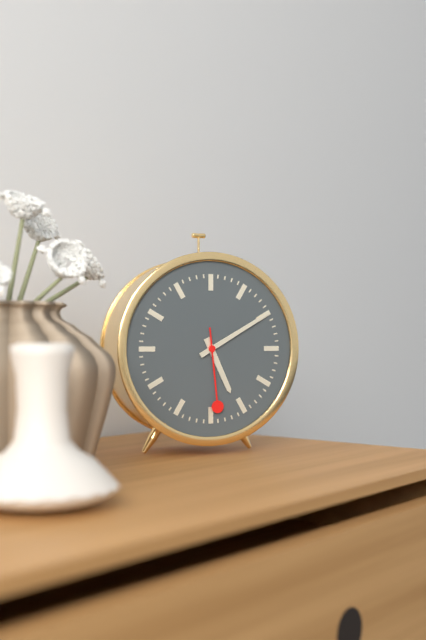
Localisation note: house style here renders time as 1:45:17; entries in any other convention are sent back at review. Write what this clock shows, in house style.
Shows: 5:10:29
